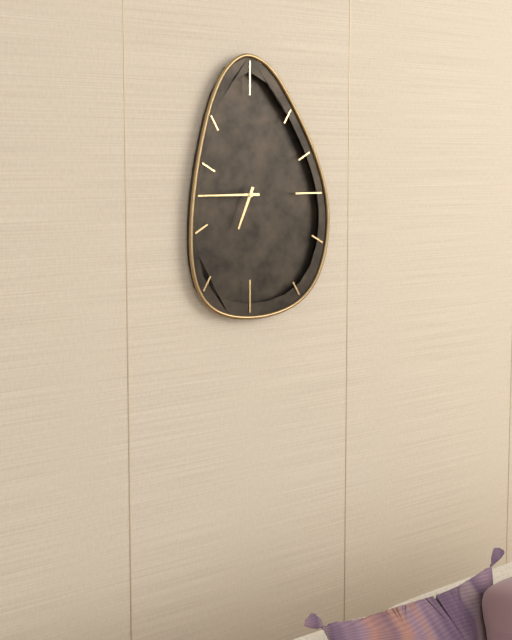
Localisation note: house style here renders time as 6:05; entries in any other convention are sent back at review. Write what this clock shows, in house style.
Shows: 6:45
